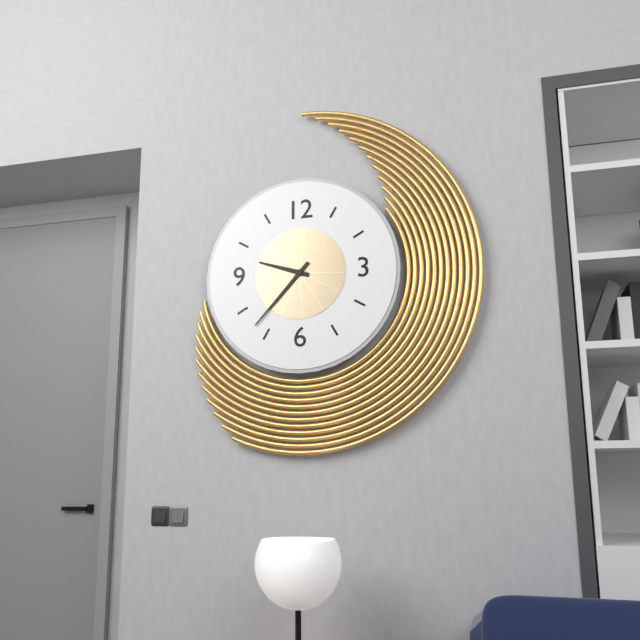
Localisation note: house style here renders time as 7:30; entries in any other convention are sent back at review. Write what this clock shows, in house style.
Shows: 9:37
